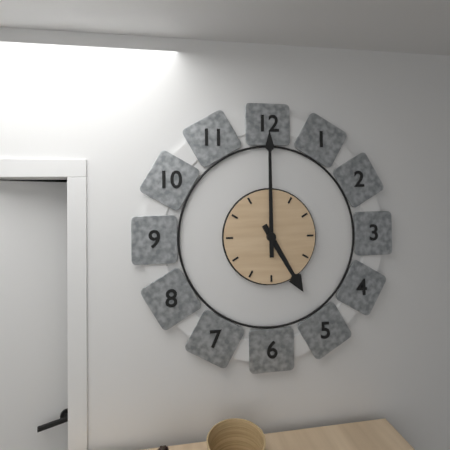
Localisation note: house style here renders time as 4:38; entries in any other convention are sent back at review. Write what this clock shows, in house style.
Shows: 5:00
